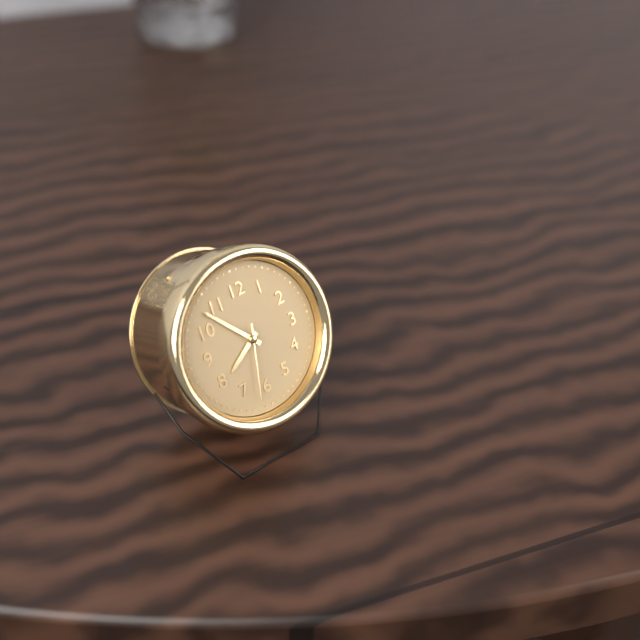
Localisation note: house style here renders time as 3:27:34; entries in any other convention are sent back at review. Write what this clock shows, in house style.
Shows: 7:53:32
